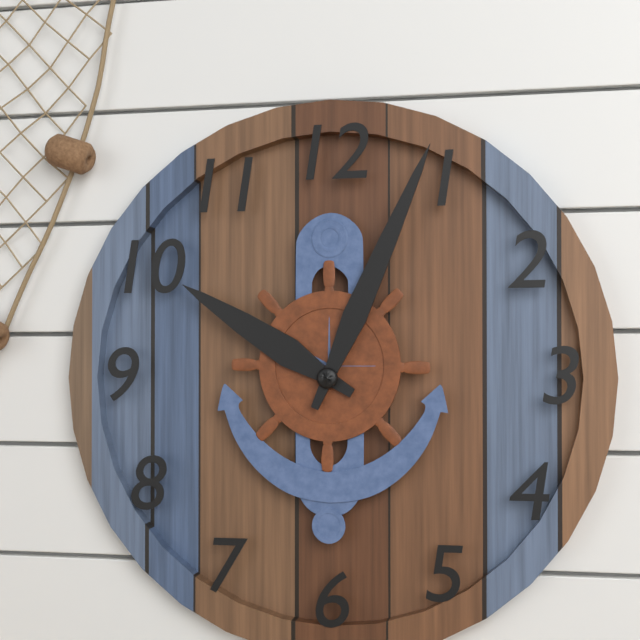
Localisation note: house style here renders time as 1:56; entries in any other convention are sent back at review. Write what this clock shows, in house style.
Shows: 10:04
